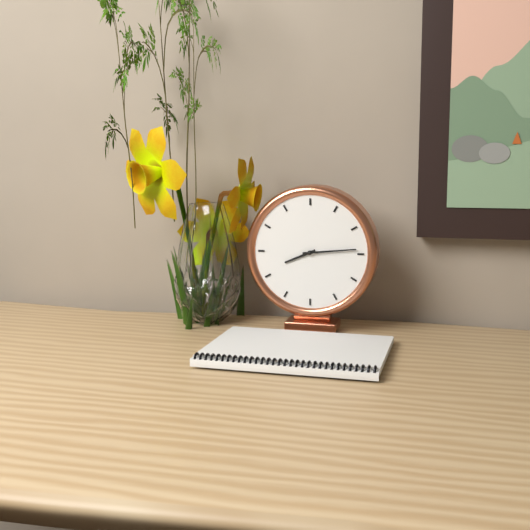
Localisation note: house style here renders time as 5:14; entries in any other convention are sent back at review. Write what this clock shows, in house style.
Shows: 8:14
